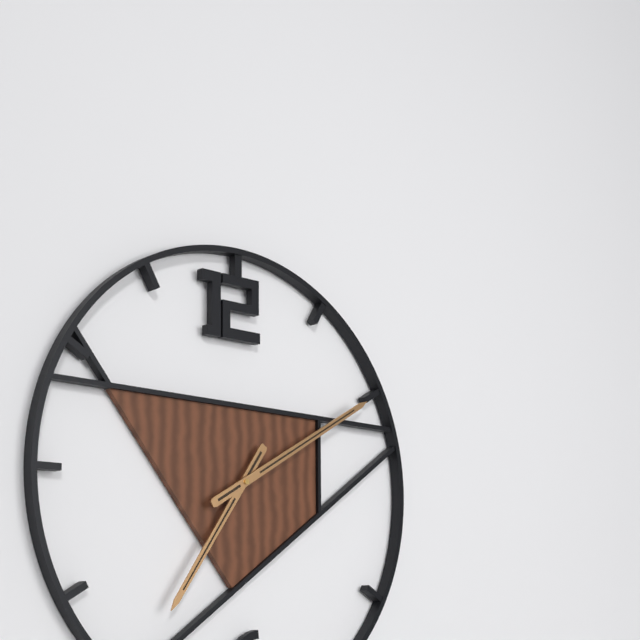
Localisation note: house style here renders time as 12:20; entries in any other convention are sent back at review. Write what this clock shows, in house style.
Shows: 7:10
